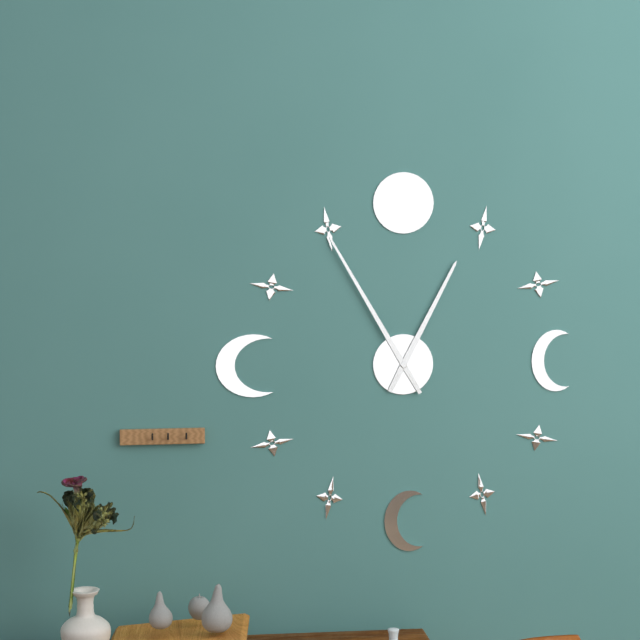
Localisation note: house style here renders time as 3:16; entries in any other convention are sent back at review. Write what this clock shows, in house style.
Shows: 12:55
